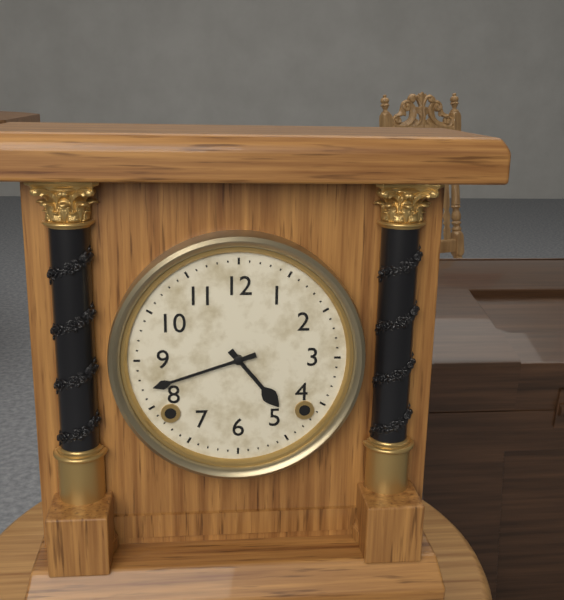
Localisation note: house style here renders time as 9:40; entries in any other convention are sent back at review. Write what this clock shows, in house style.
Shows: 4:42
